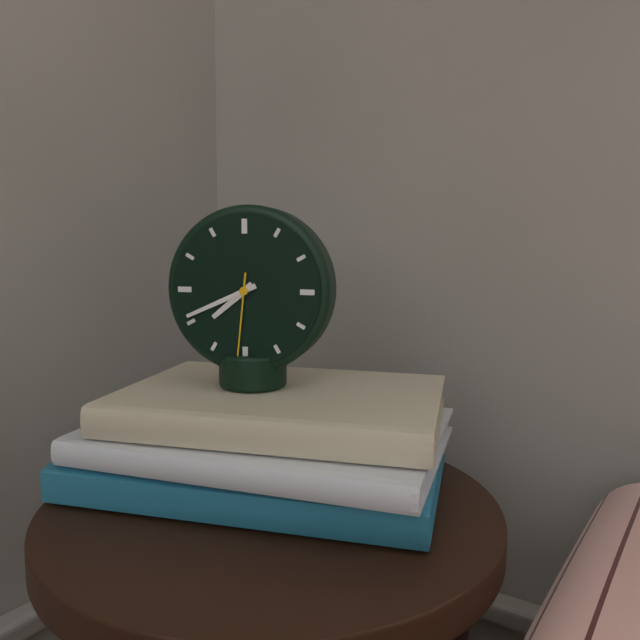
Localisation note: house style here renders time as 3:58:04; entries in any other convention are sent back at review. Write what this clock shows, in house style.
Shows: 7:41:31
